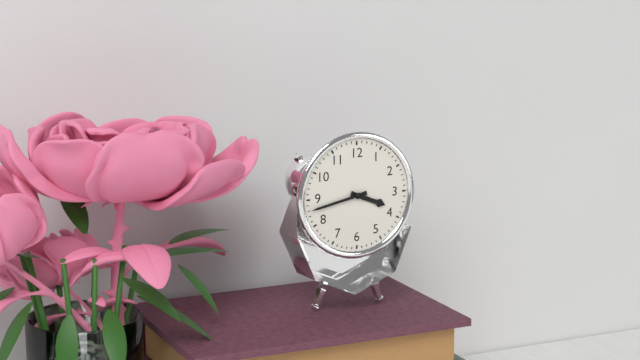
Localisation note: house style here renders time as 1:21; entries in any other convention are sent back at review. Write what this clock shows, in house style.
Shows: 3:43
